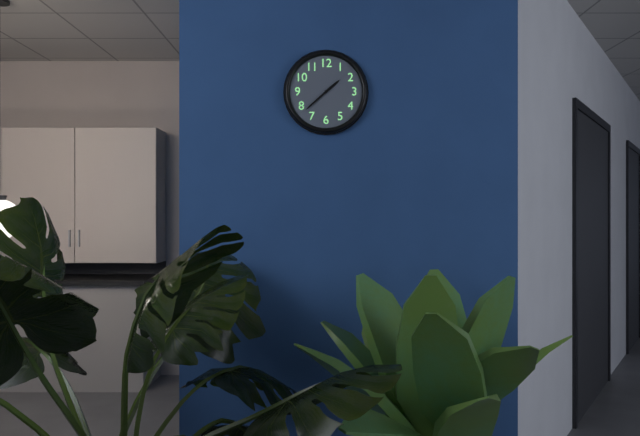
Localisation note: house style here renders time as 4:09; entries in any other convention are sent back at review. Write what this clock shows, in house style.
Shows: 1:38
